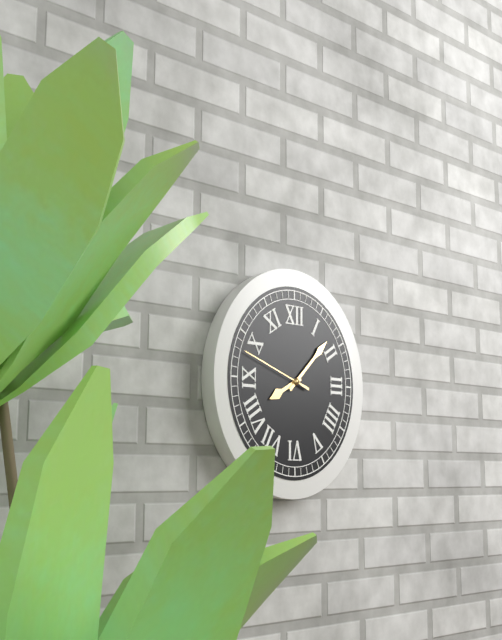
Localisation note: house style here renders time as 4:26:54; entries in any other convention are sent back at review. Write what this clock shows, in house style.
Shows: 8:08:48
